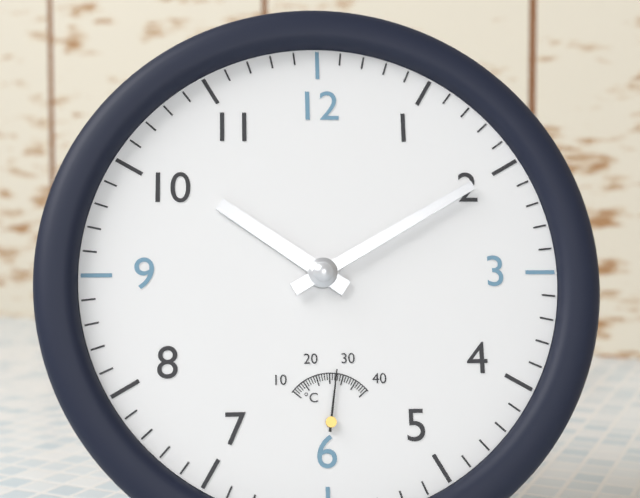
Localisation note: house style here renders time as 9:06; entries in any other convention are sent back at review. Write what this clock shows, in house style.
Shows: 10:10
